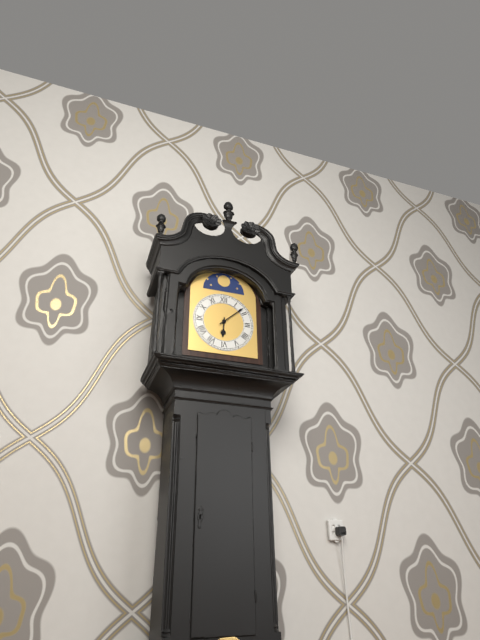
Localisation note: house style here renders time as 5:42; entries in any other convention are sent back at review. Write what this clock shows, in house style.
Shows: 6:08
